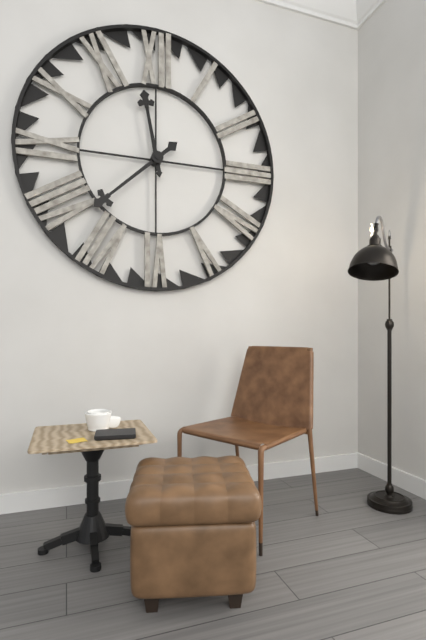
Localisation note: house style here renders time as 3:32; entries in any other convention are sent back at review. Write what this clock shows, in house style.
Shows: 11:38
